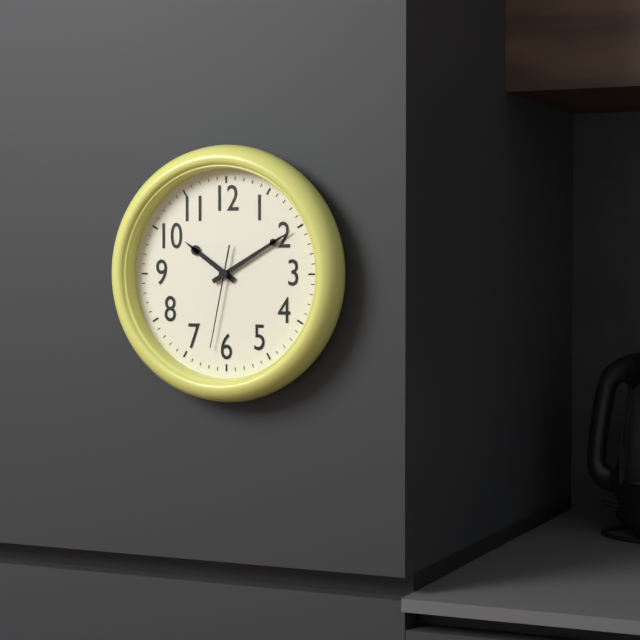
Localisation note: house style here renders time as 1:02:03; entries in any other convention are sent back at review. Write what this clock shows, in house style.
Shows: 10:10:32
